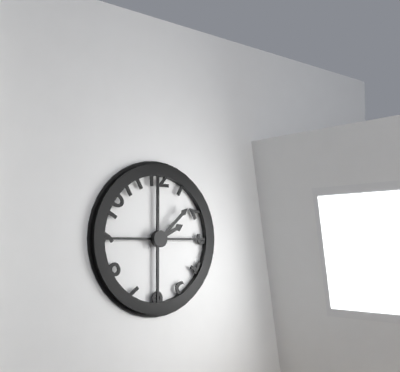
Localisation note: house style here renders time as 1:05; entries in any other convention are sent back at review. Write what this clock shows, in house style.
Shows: 2:08
